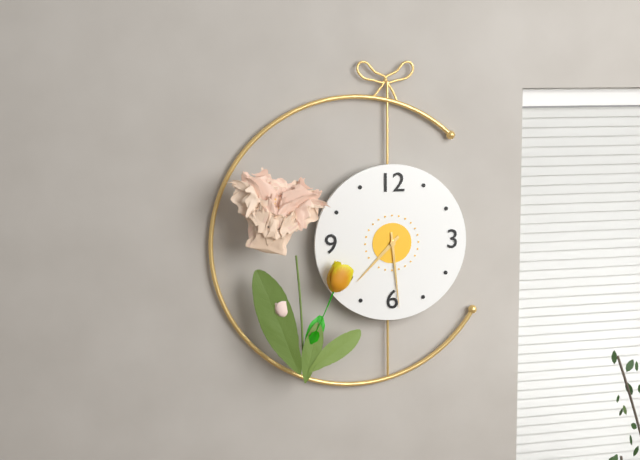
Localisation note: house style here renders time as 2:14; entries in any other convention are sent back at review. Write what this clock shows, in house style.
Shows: 7:29
